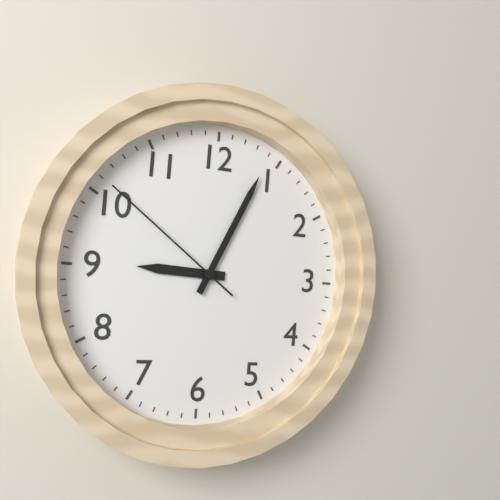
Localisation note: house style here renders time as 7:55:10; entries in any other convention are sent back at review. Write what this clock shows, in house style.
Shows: 9:04:51
